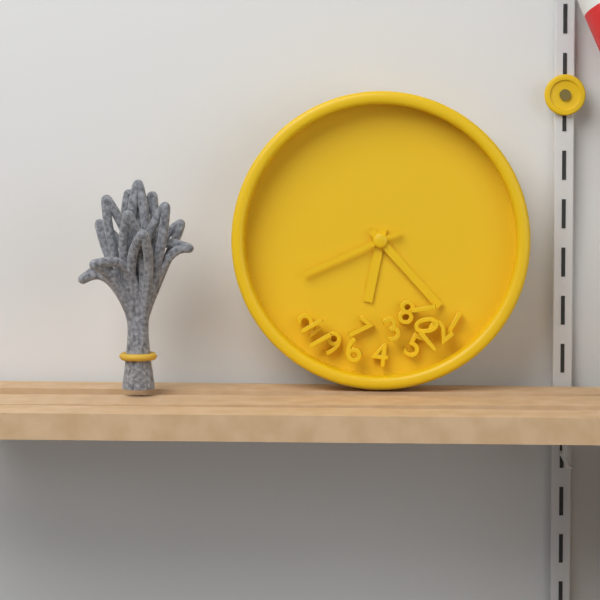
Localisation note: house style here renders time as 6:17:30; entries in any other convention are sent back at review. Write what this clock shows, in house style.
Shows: 6:23:41
